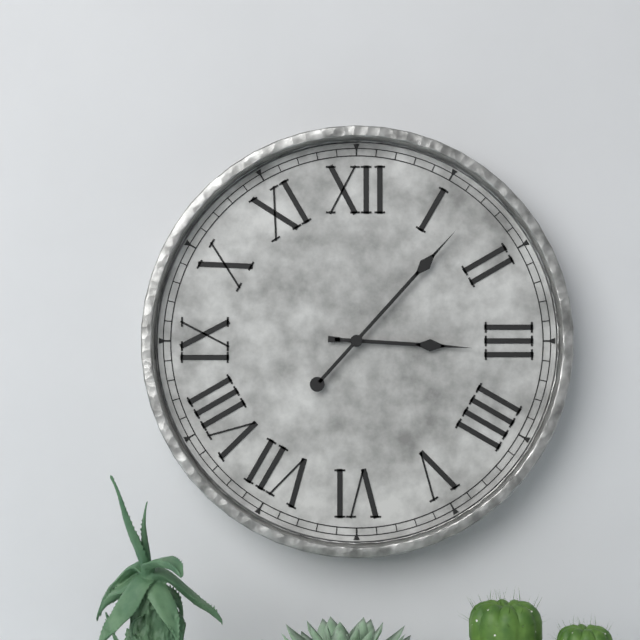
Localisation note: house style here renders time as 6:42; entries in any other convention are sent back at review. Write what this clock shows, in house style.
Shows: 3:07
